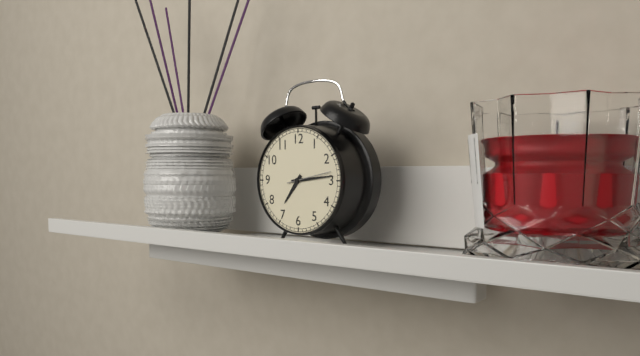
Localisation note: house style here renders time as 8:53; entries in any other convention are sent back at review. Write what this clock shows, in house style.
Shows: 7:14
